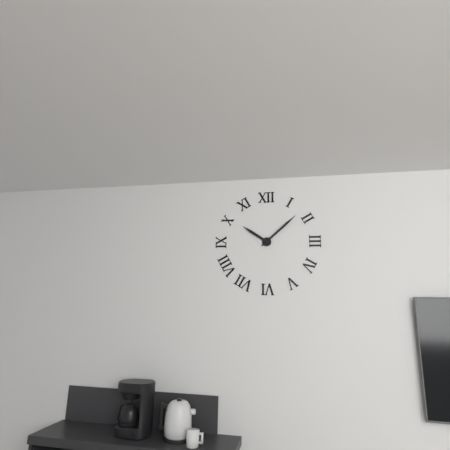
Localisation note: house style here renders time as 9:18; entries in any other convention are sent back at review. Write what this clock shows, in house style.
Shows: 10:08
